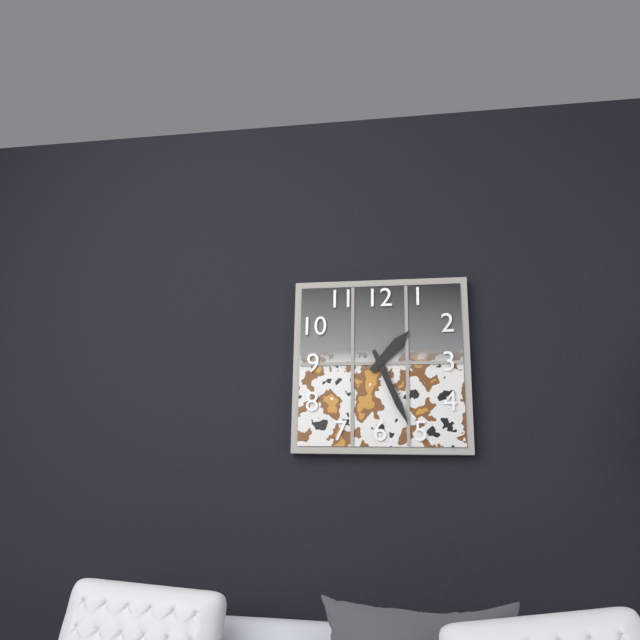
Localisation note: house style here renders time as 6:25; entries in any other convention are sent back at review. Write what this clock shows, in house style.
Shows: 1:26
